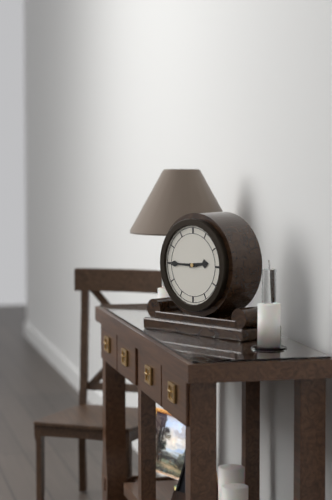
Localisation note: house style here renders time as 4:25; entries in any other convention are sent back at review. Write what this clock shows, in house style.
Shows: 2:45
